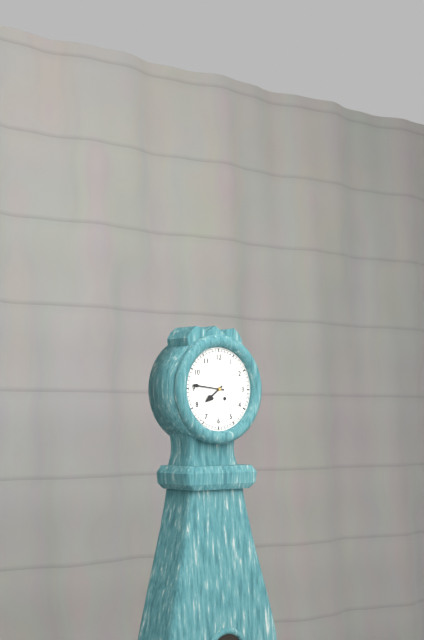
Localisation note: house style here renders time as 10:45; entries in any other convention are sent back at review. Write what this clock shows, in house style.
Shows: 7:46
